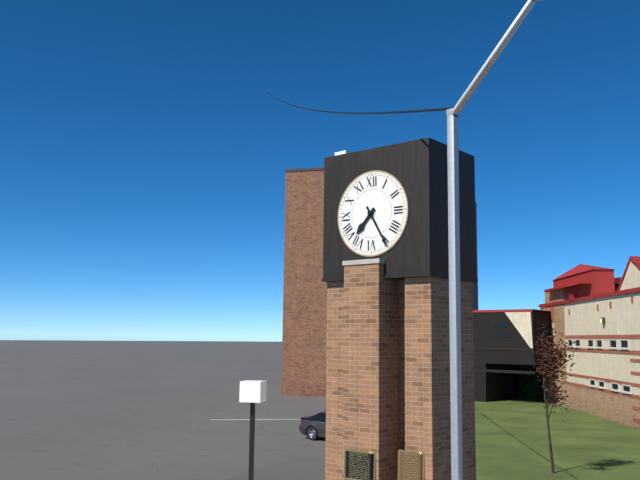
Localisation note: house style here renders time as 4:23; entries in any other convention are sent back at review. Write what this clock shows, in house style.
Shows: 7:25
